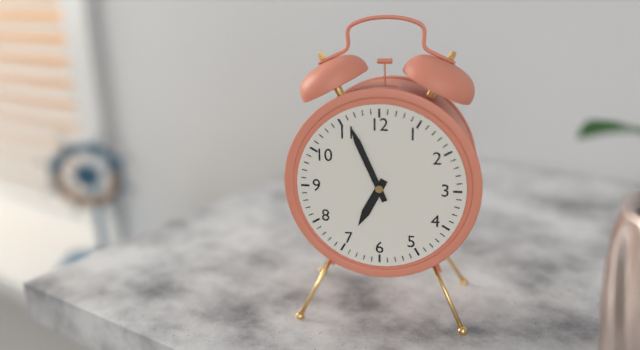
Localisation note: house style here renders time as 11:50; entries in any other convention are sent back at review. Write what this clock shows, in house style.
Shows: 6:56
